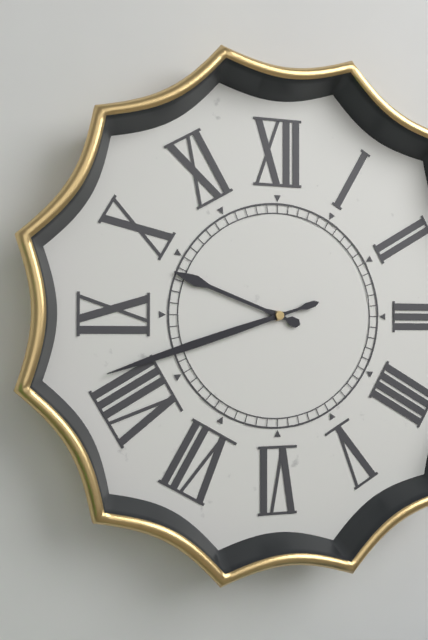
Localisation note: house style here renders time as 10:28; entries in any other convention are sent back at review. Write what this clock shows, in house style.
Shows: 9:42
